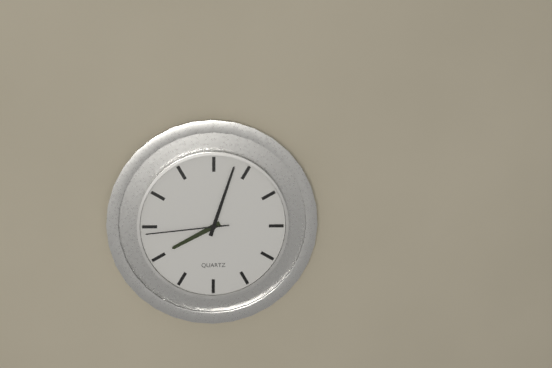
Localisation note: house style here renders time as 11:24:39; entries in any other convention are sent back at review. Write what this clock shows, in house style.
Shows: 8:03:44
